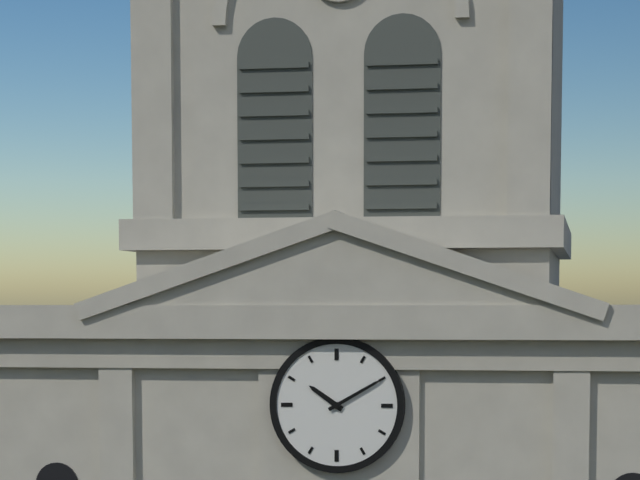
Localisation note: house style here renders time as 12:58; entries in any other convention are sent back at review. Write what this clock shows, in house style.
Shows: 10:10
